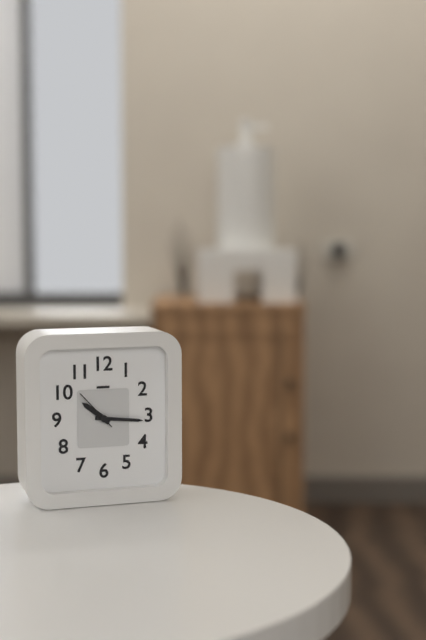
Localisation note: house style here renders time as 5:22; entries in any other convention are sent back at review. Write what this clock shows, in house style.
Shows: 10:16
